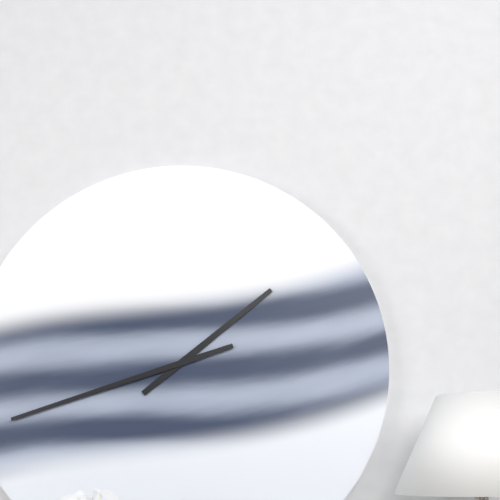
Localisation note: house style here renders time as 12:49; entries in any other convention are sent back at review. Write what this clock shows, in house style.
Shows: 1:42
